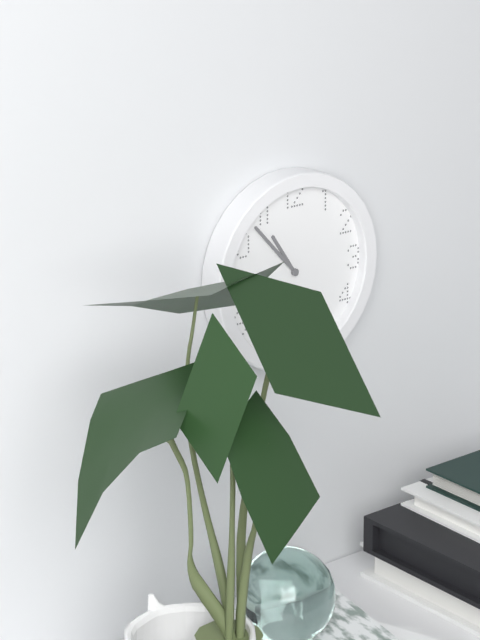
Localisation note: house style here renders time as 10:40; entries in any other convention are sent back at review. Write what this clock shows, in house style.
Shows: 10:53
